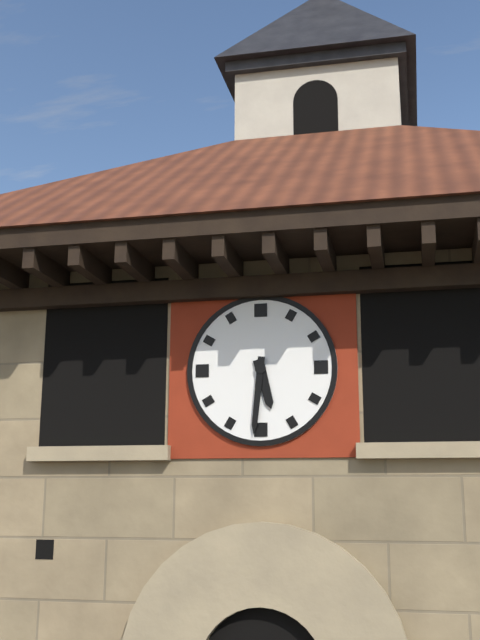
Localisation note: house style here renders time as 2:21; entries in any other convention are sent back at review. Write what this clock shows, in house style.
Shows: 5:31
